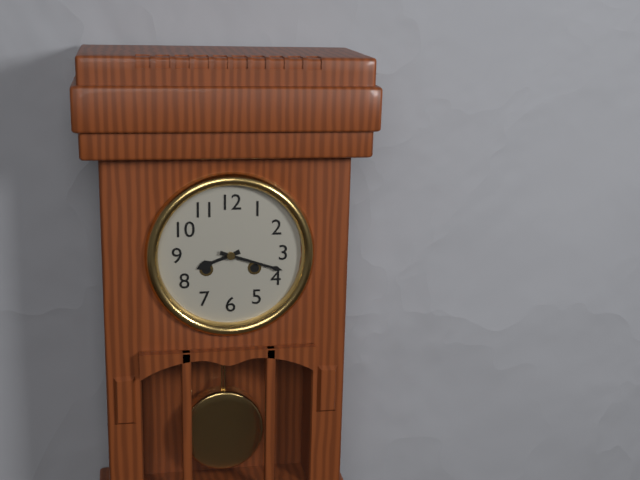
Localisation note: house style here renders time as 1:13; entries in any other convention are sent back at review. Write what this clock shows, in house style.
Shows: 8:18
